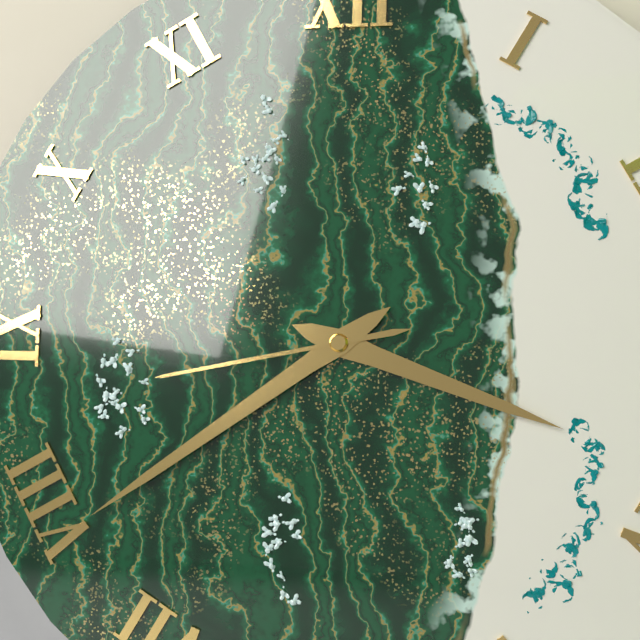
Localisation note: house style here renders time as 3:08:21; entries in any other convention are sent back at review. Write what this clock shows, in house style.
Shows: 3:39:43
